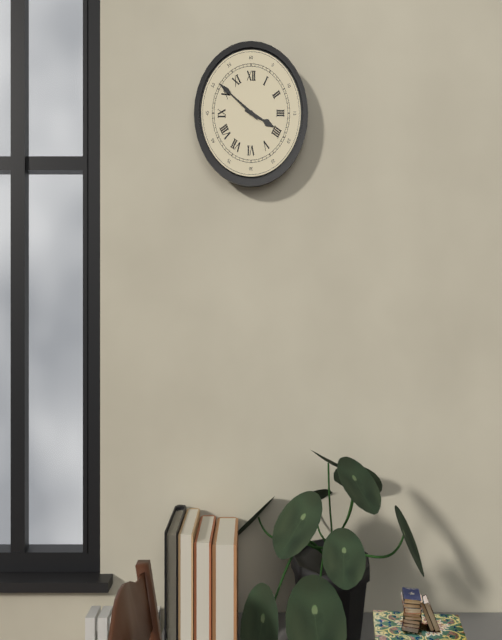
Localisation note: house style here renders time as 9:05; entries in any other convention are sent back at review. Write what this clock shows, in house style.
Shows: 3:51
